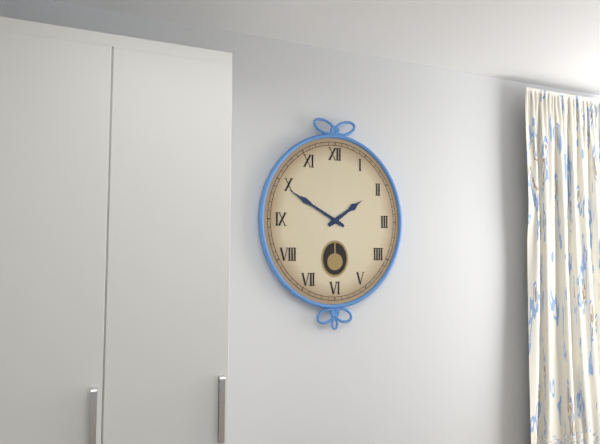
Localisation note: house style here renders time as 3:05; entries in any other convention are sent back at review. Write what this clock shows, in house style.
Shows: 1:50
